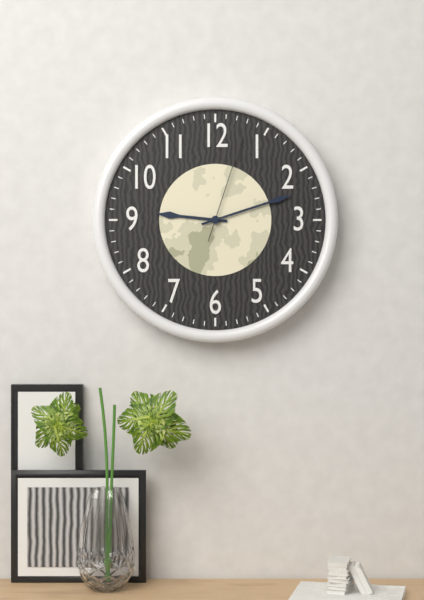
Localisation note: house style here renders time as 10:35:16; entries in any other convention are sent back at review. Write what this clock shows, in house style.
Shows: 9:12:03
